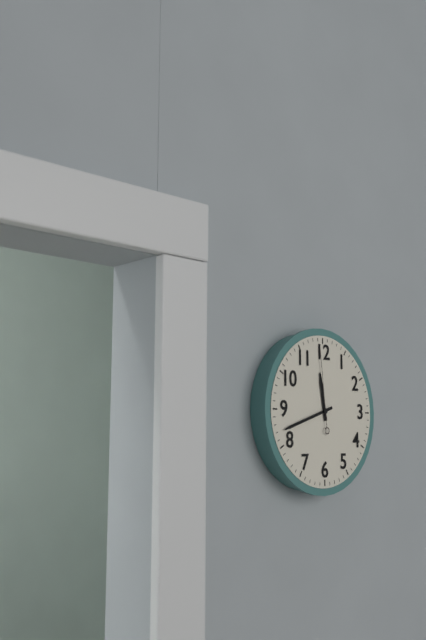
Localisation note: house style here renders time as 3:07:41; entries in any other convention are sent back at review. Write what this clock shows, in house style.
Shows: 11:42:59
